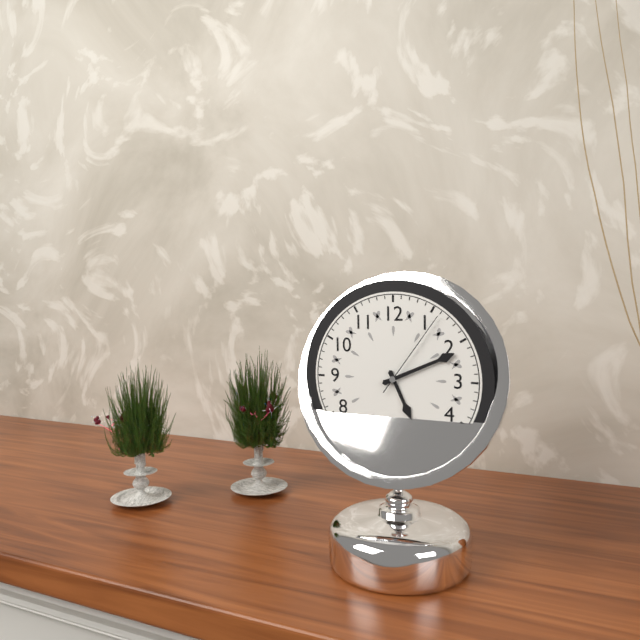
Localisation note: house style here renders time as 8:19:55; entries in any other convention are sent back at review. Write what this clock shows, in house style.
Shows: 5:11:06
